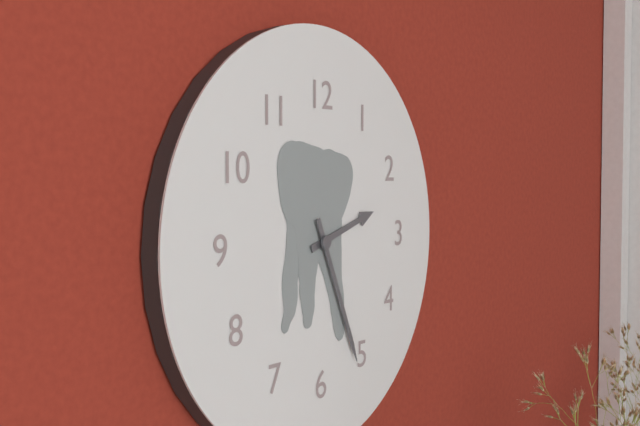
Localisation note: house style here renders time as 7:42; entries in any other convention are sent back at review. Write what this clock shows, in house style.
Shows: 2:26
